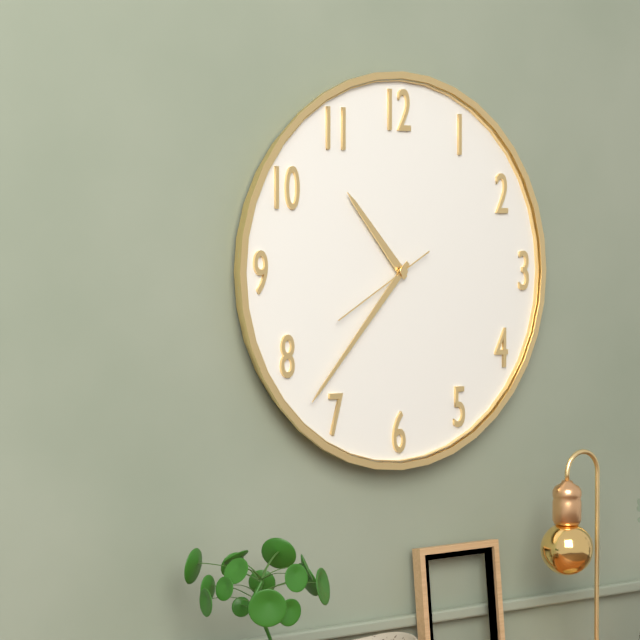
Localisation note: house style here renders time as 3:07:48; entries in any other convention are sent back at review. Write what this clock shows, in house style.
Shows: 10:37:40
